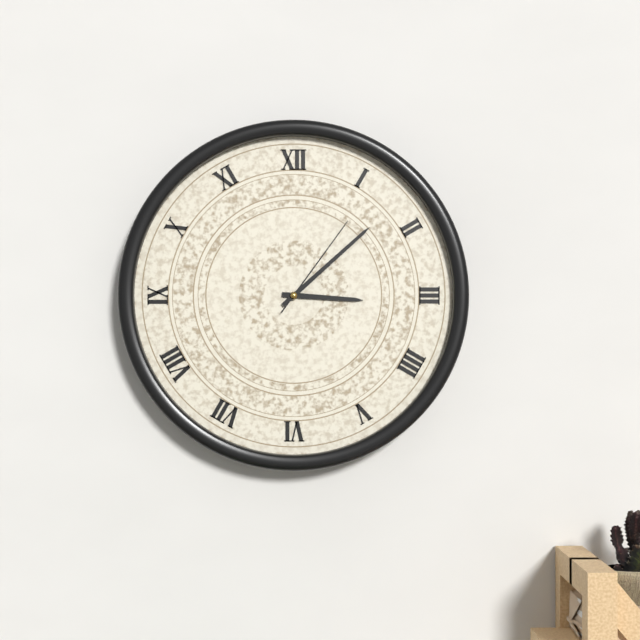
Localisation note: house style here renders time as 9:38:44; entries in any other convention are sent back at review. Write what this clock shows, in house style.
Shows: 3:08:06
